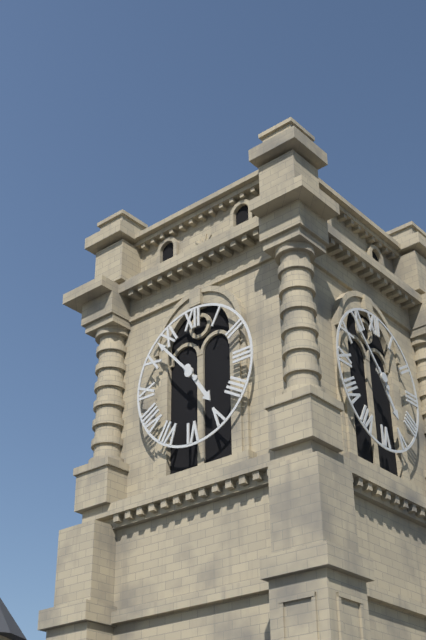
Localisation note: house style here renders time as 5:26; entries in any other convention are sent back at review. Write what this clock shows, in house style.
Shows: 4:53
